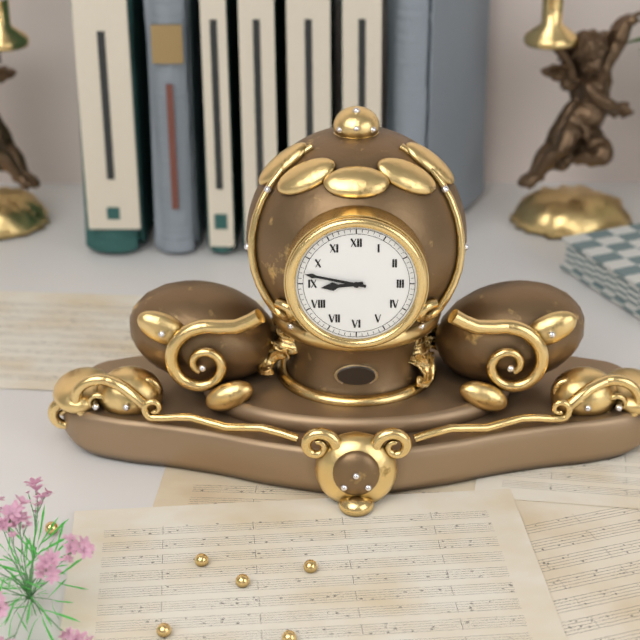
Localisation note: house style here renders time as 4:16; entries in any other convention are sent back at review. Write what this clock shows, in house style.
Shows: 8:47
